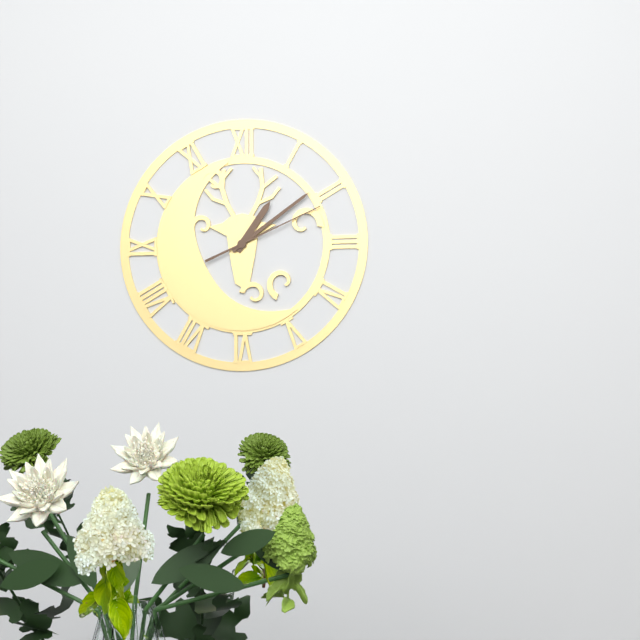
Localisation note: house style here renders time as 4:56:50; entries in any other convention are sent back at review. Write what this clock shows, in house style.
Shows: 1:09:11
